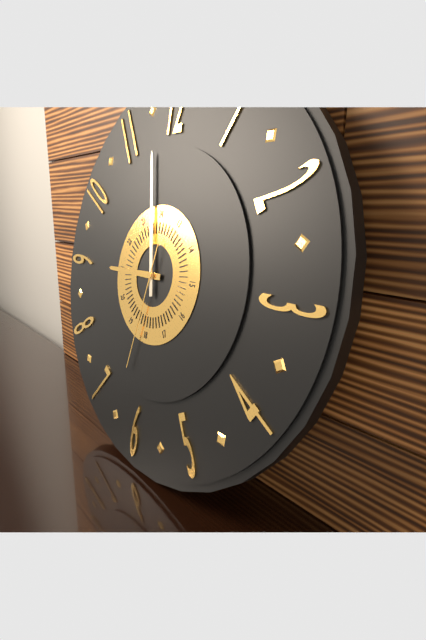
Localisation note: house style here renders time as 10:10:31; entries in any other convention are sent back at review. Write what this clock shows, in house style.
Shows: 8:58:32
